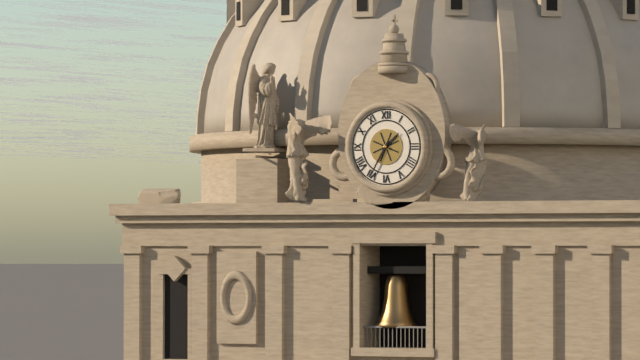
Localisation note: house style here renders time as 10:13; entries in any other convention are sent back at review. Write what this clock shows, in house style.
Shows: 1:35
